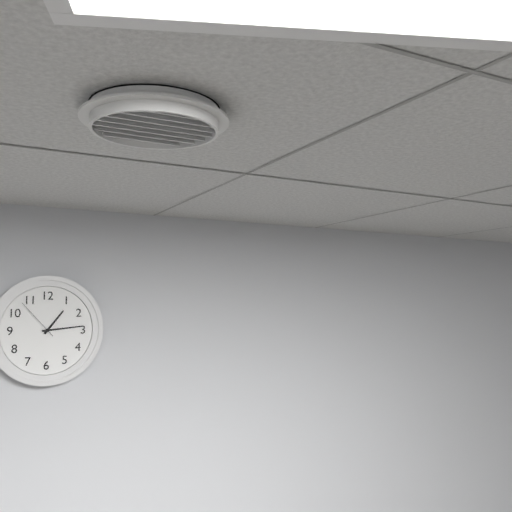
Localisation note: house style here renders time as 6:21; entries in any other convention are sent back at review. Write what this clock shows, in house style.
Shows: 1:14
